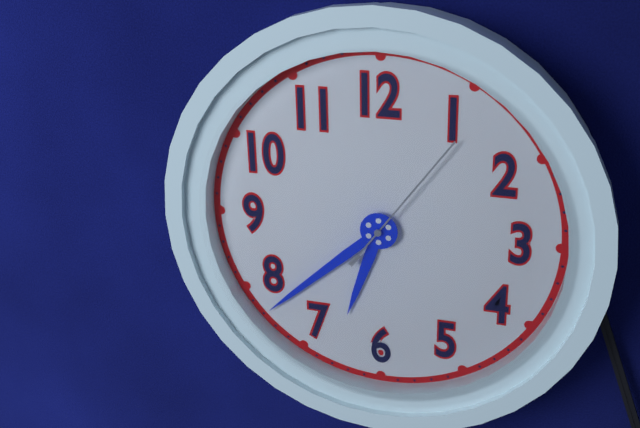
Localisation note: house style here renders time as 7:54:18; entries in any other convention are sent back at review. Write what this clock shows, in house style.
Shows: 6:38:06
